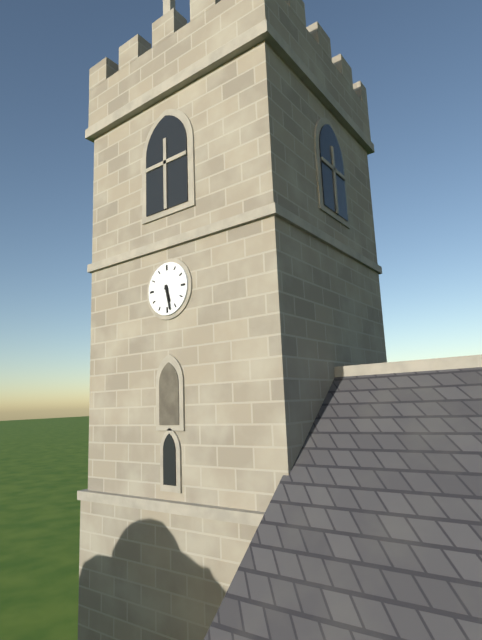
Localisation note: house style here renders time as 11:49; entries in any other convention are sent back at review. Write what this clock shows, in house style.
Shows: 5:28
